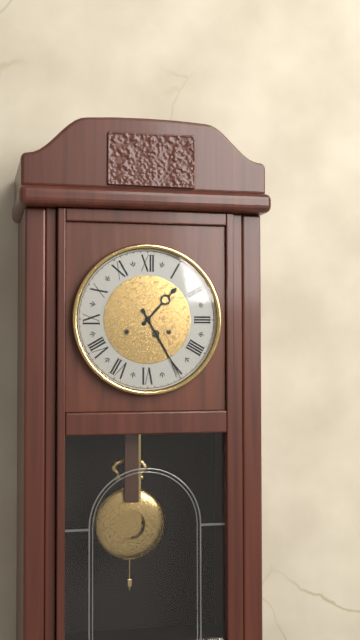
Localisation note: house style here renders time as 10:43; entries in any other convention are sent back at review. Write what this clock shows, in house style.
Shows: 1:25
